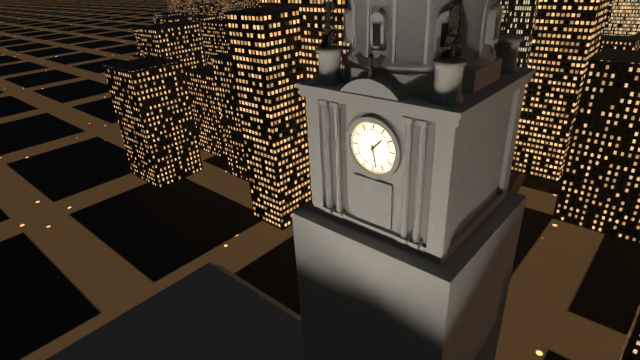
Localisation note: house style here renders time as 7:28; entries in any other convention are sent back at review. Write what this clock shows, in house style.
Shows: 1:28
